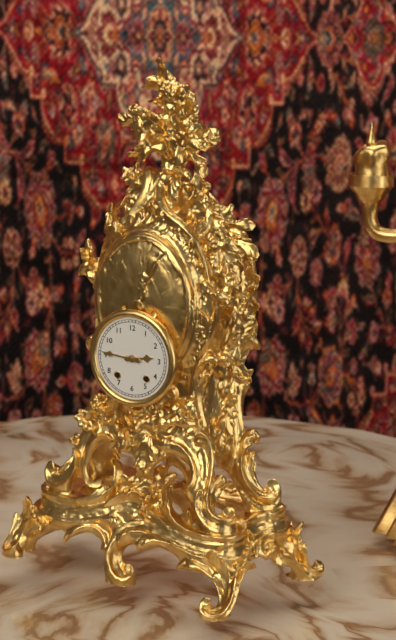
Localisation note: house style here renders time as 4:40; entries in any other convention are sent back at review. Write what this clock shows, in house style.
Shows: 2:46
